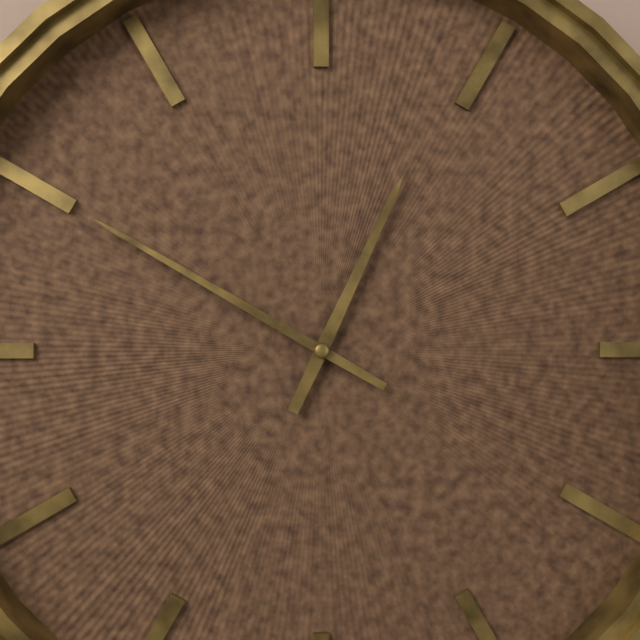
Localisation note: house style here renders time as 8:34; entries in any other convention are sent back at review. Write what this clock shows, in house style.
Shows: 12:50
